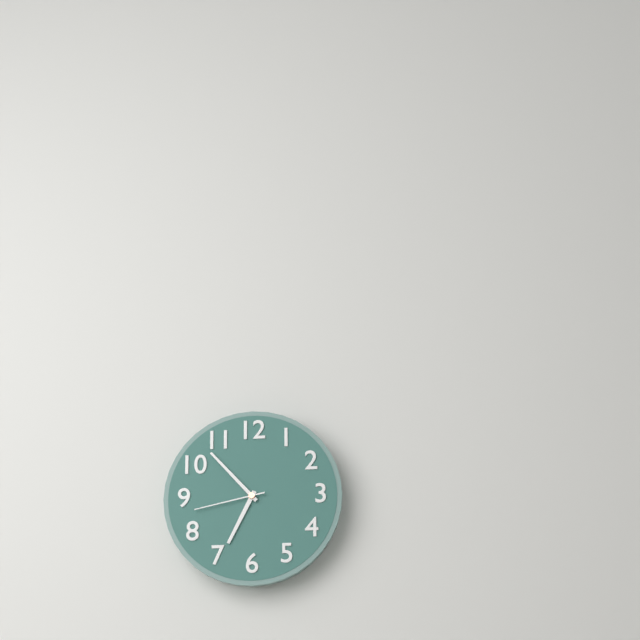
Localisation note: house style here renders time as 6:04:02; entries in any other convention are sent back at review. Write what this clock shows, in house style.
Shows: 6:53:43
